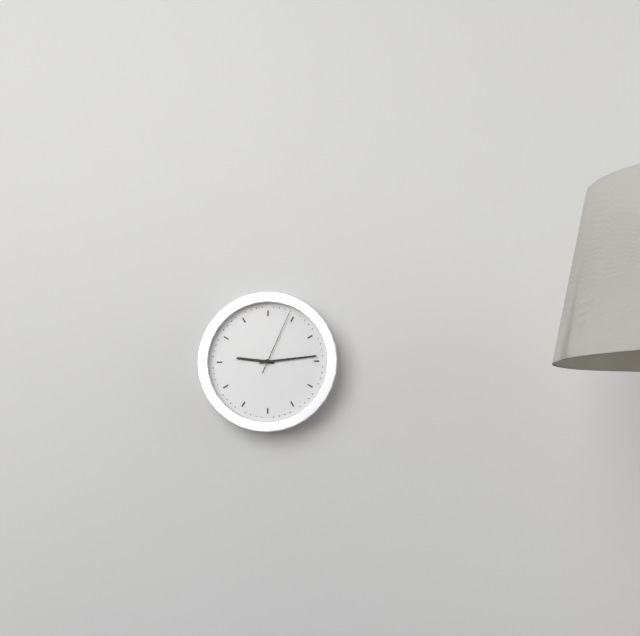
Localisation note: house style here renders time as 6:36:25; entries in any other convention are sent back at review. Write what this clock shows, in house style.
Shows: 9:14:04
